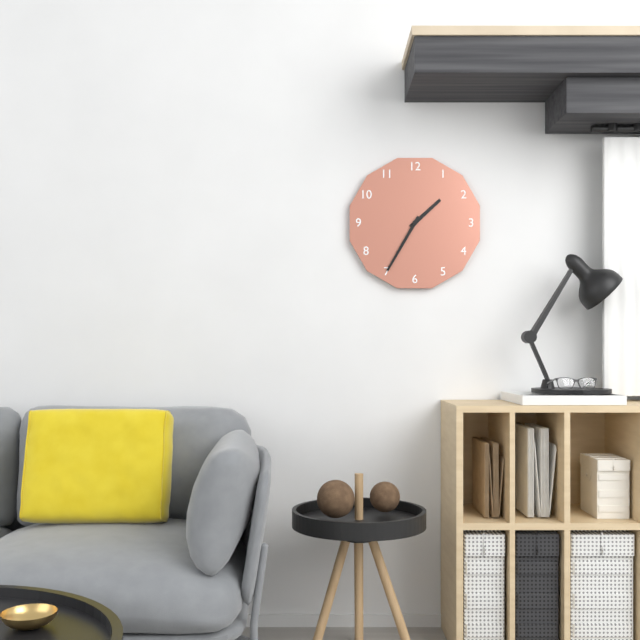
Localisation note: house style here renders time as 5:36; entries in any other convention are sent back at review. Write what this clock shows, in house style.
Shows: 1:35
